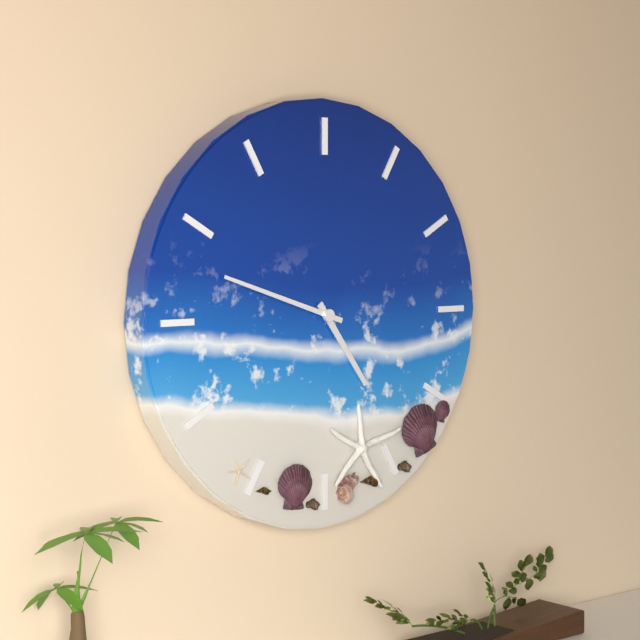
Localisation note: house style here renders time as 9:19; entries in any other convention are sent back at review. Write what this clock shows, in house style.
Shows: 4:48
